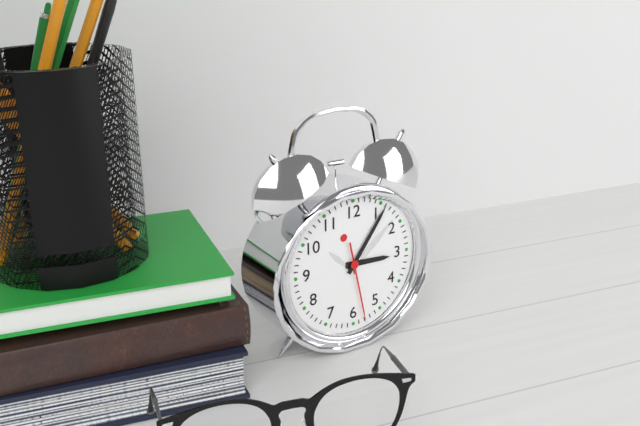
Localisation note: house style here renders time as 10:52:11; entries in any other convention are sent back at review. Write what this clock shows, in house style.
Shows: 3:06:28
